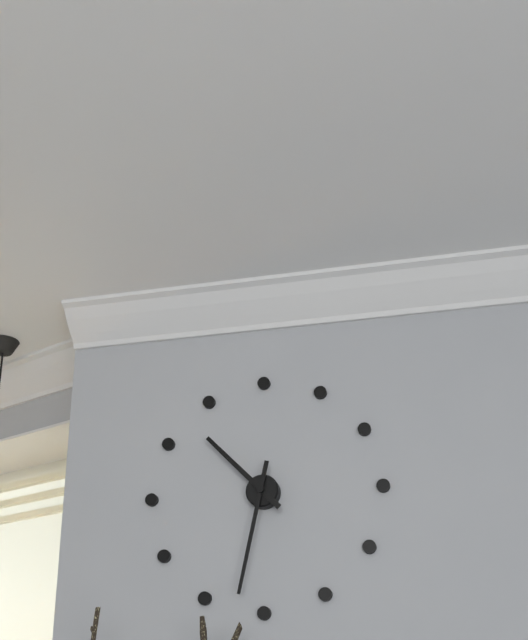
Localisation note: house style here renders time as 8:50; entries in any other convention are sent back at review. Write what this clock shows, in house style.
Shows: 10:32
